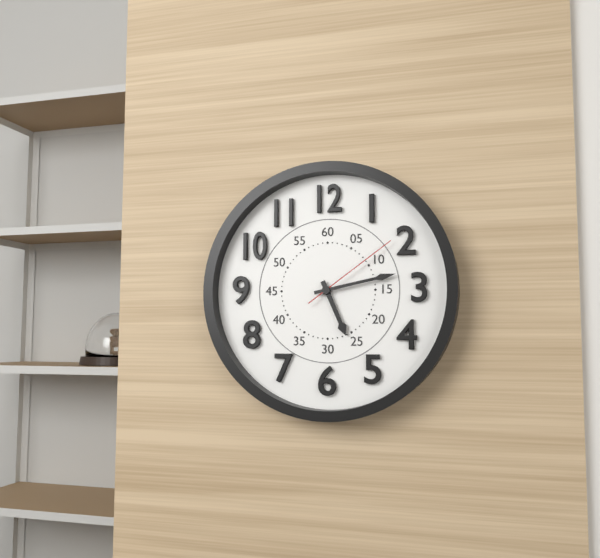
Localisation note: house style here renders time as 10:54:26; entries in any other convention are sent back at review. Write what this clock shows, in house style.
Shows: 5:13:09
